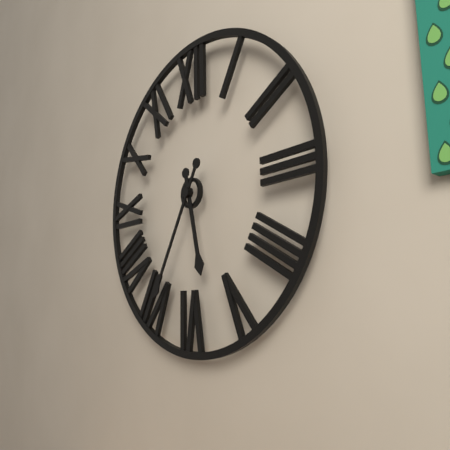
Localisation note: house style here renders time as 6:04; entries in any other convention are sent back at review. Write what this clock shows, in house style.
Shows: 5:35
